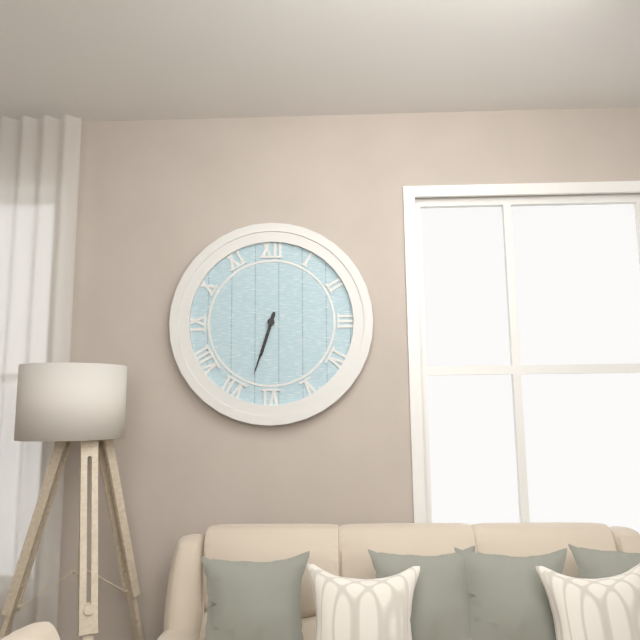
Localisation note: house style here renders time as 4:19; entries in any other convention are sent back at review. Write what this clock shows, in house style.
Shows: 6:33
